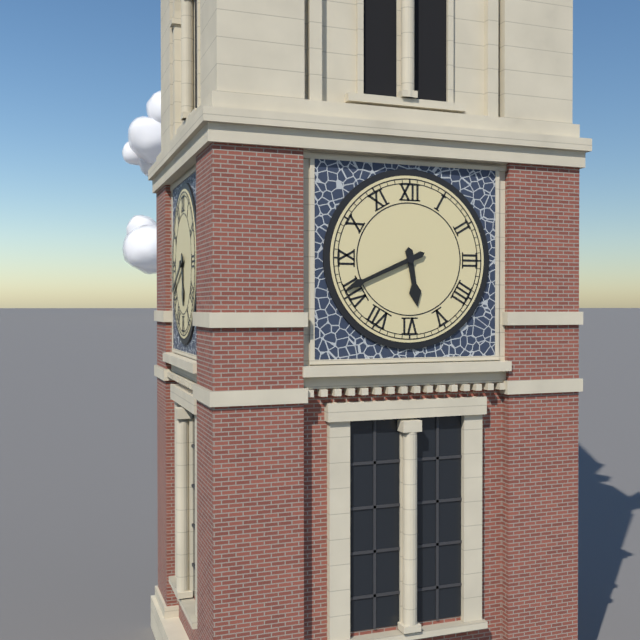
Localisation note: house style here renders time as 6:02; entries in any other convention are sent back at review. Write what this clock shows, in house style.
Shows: 5:41
